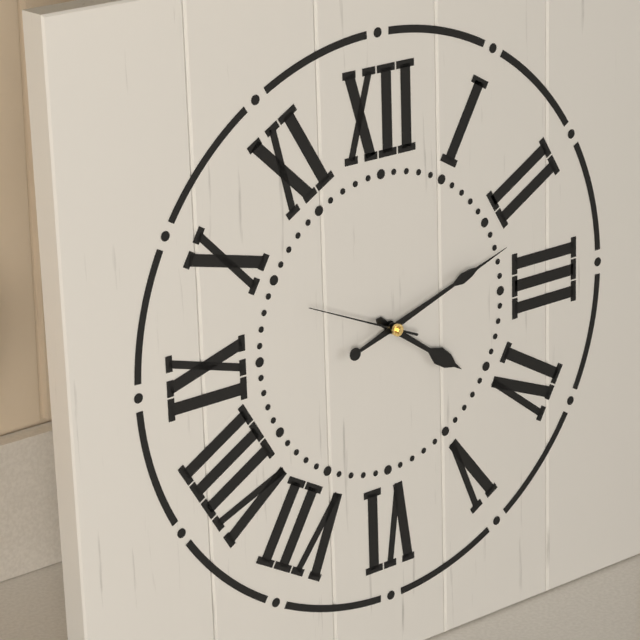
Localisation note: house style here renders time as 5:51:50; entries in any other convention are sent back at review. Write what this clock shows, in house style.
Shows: 4:12:49
